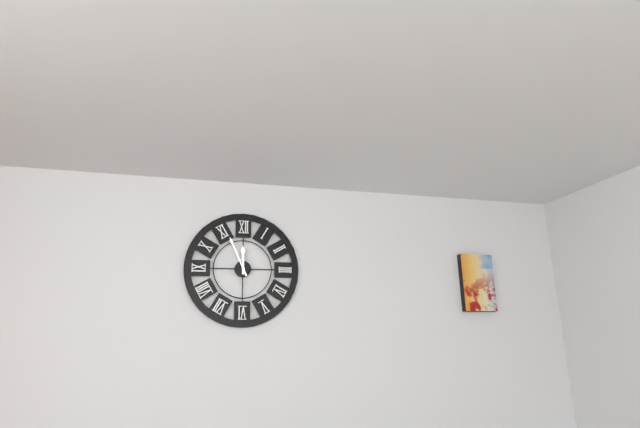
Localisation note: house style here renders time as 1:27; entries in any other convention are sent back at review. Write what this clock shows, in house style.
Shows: 11:56
